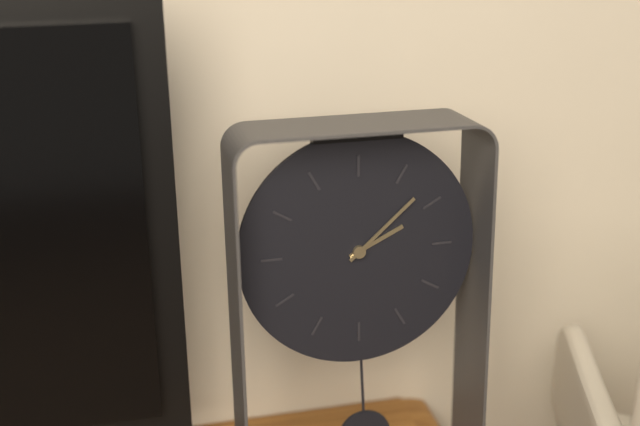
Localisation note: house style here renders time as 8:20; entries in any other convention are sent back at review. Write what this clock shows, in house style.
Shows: 2:08
